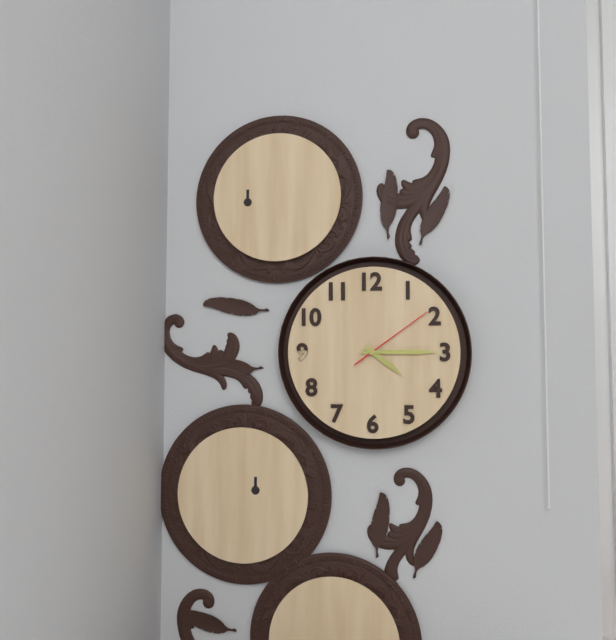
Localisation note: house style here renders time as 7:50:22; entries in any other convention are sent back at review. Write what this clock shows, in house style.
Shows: 4:15:09
